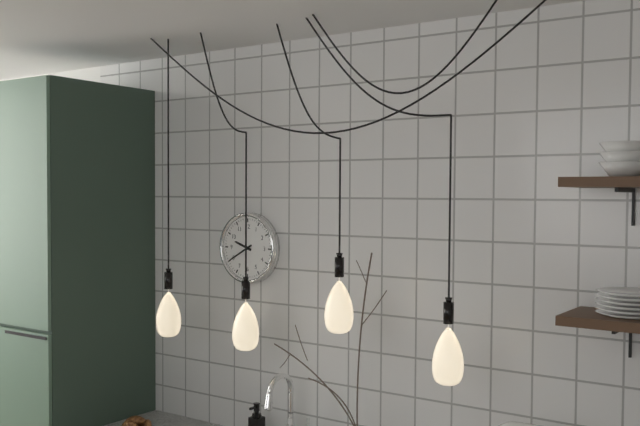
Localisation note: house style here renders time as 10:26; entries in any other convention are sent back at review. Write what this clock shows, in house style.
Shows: 9:40
